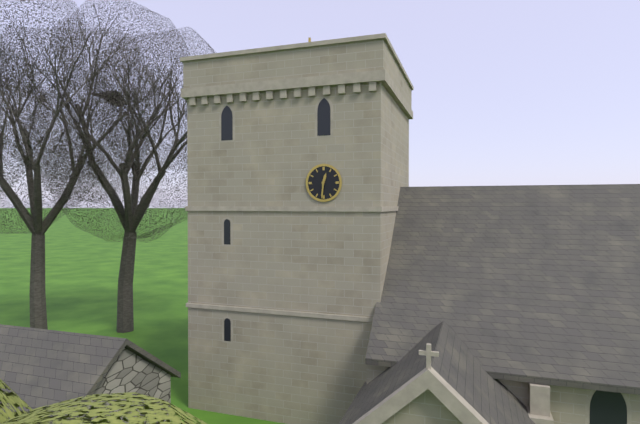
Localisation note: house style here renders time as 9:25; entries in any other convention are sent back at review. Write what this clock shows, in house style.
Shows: 12:31
